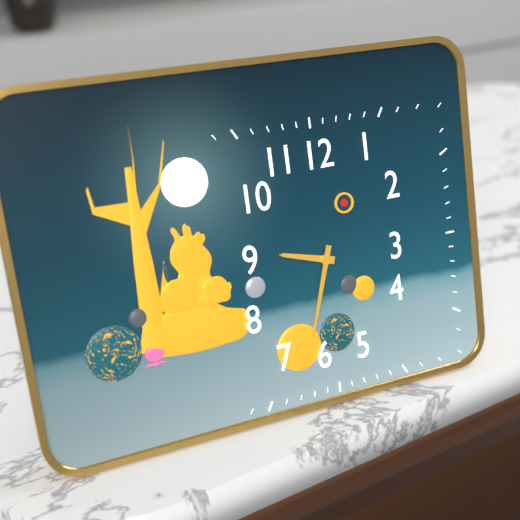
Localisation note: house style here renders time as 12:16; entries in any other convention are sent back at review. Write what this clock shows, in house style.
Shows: 9:33
